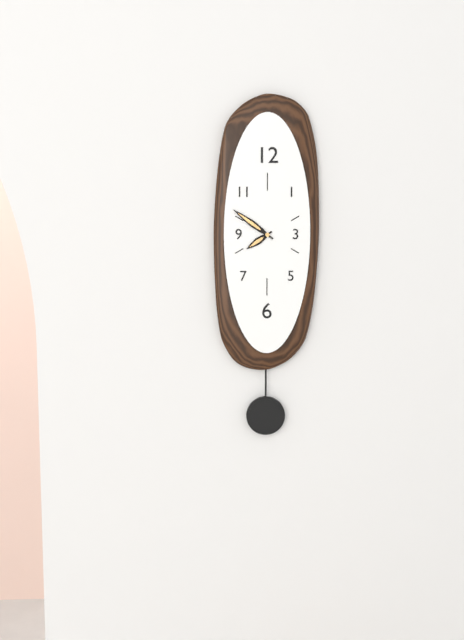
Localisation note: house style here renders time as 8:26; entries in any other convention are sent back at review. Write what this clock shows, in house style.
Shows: 7:51
